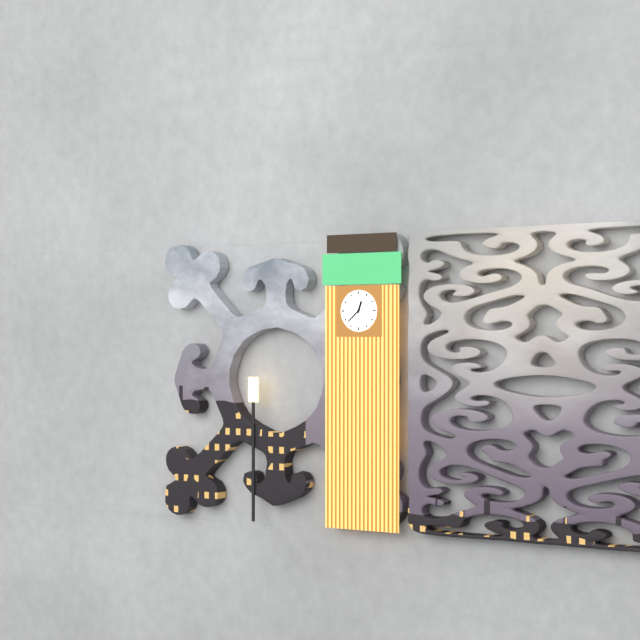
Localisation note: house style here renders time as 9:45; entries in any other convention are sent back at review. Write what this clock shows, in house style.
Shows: 12:38
